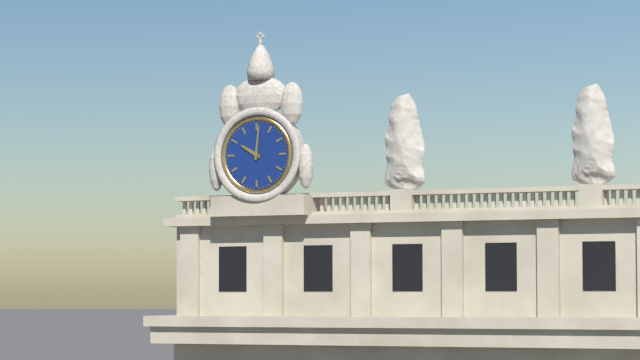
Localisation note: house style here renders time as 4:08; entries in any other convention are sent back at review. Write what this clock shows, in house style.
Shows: 10:01
